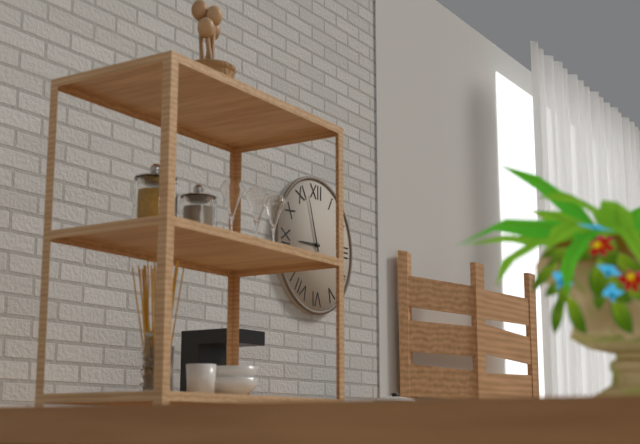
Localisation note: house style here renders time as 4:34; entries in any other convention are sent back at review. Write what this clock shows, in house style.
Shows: 8:57
